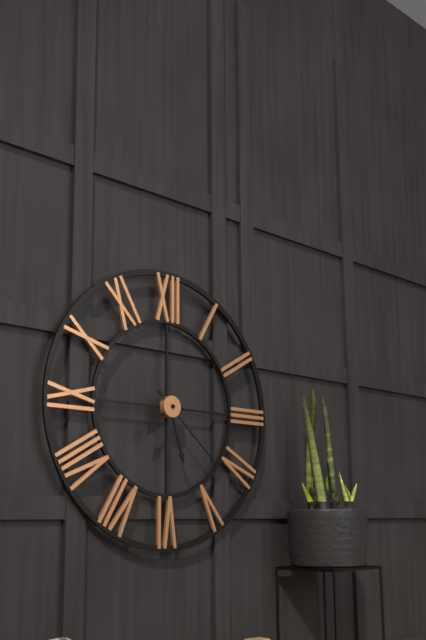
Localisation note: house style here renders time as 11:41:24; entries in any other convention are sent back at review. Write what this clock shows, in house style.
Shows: 7:27:22
